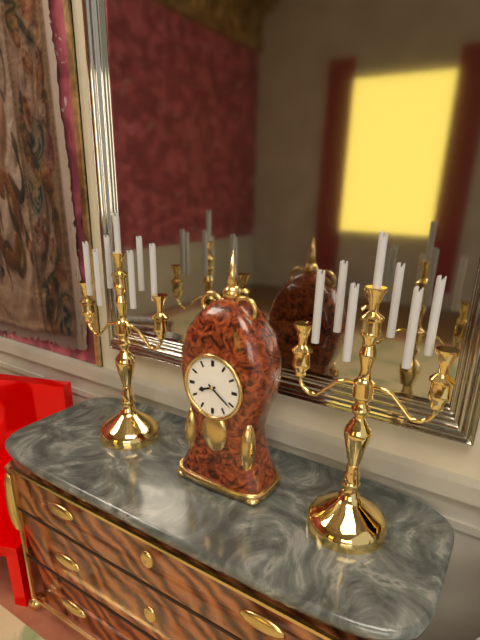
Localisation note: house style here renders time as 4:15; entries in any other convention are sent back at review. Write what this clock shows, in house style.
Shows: 8:21
